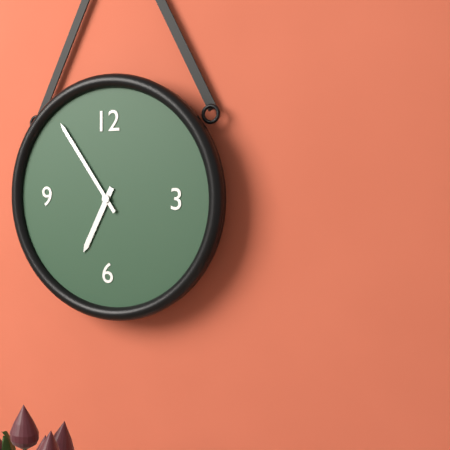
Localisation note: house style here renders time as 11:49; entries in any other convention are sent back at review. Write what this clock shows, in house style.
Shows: 6:54
